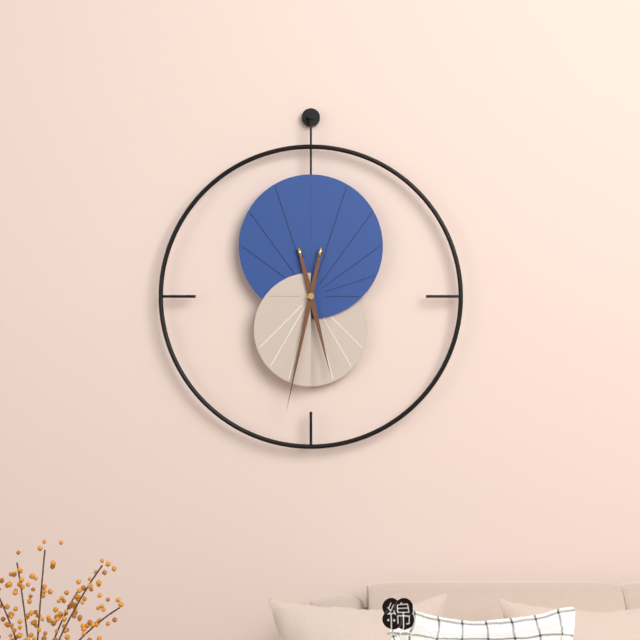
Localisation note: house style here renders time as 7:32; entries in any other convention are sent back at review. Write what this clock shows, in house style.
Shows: 5:32
